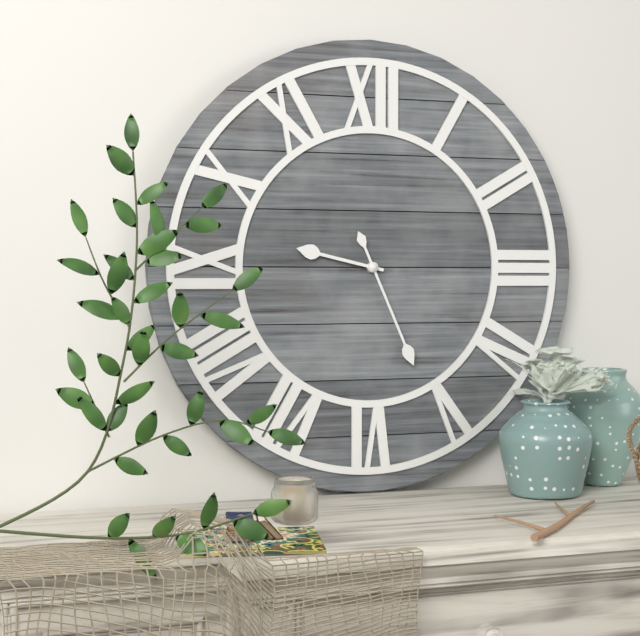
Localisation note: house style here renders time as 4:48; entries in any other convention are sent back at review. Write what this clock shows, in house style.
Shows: 9:26
